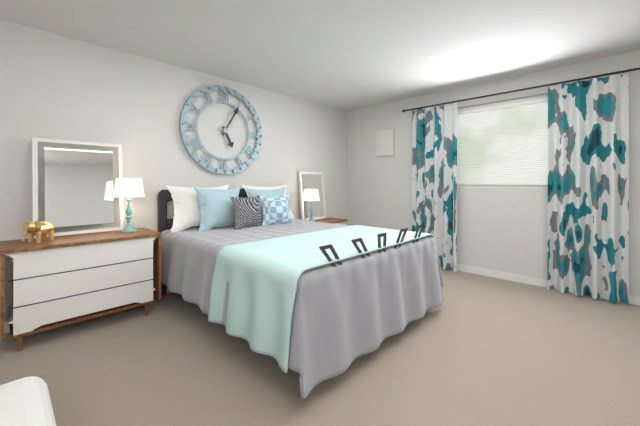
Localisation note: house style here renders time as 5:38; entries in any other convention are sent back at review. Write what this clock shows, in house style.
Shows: 5:05
